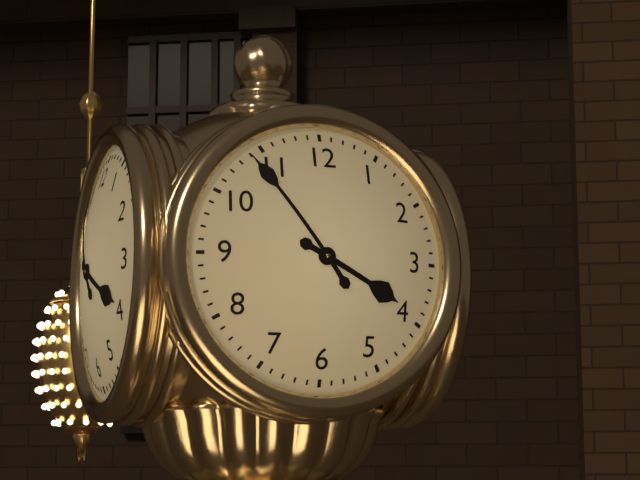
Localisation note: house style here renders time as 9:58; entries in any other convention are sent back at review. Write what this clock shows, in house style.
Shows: 3:54
